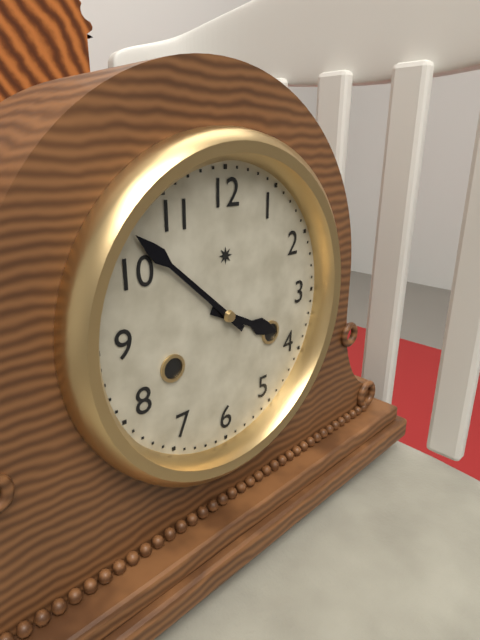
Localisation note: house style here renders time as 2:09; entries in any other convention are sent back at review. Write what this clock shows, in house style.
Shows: 3:52
